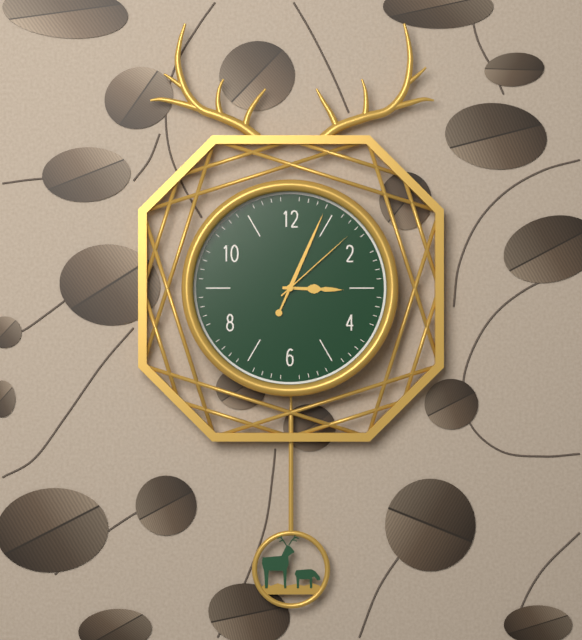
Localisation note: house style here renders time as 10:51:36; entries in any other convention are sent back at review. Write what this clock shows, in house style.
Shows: 3:04:08
